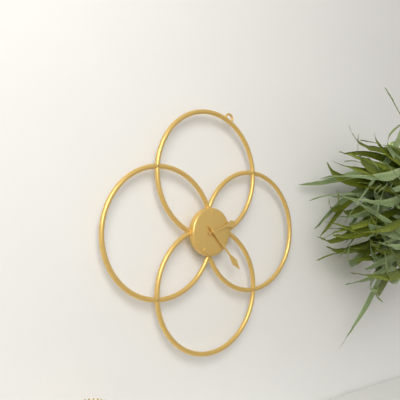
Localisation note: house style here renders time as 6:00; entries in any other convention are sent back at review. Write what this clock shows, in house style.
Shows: 2:23
